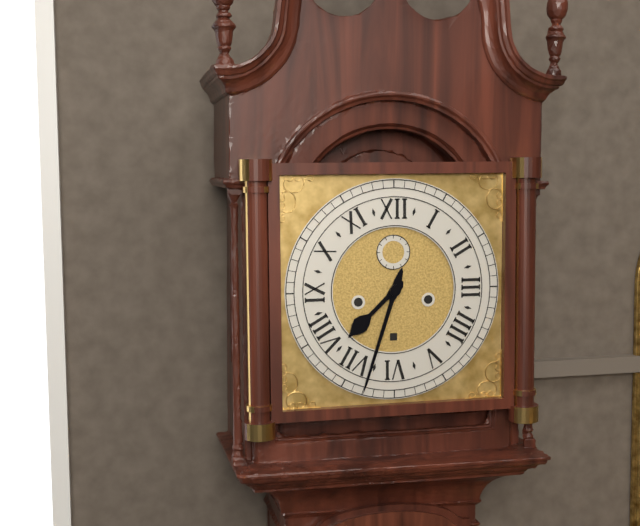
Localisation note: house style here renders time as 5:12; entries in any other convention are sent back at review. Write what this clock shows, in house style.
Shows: 7:33
